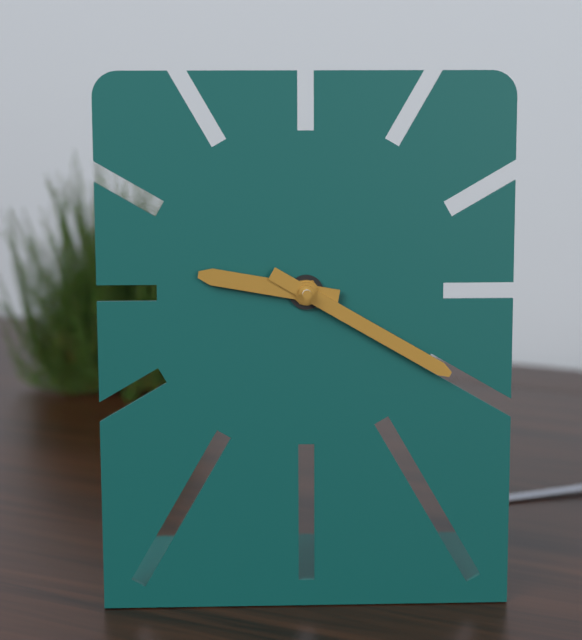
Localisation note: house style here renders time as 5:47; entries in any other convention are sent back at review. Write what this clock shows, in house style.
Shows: 9:20
